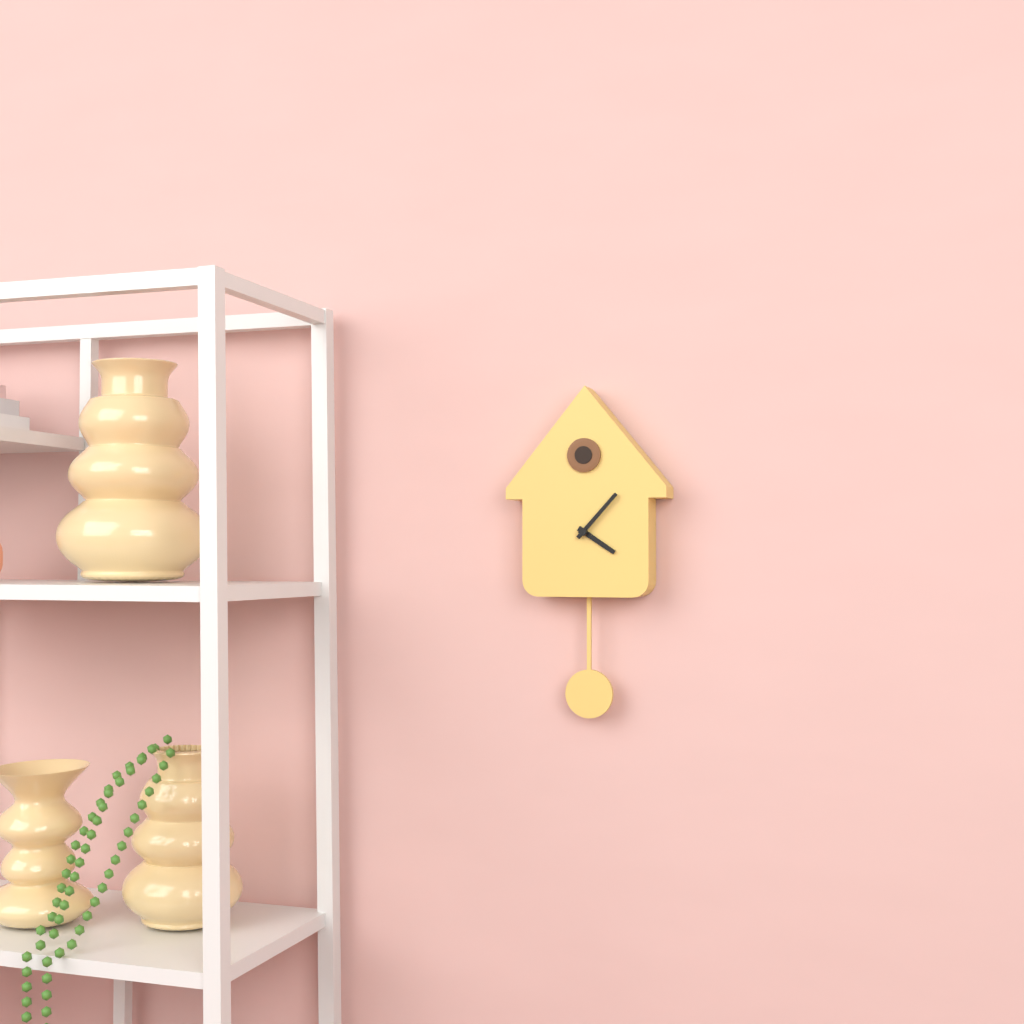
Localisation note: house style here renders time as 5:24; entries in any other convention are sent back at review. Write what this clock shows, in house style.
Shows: 4:07
